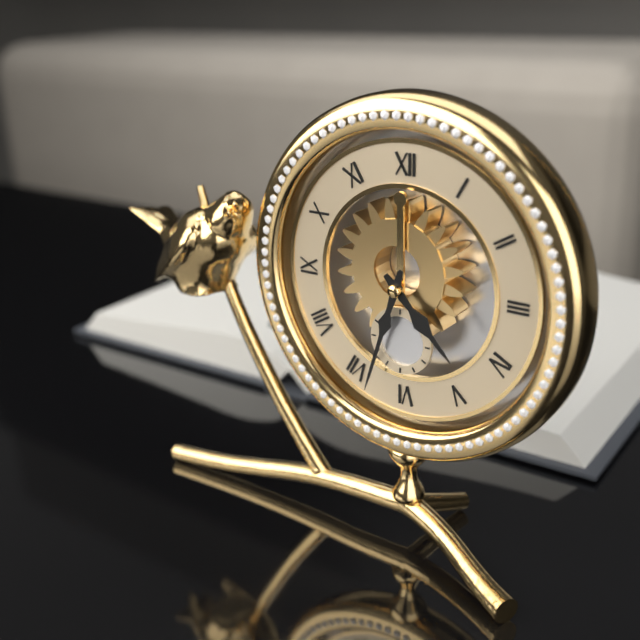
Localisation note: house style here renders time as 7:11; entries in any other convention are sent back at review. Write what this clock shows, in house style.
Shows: 4:33
